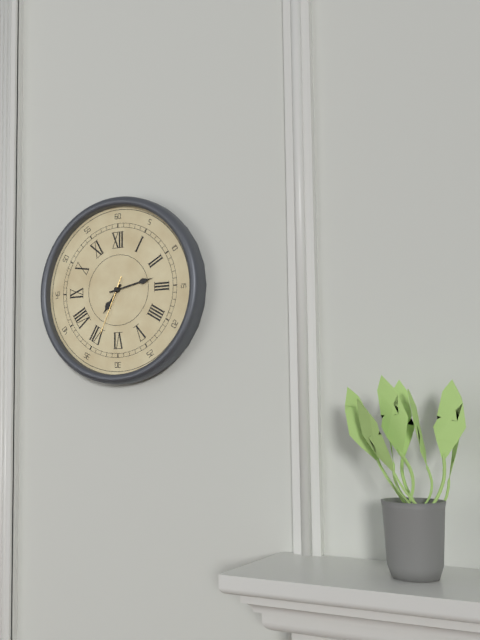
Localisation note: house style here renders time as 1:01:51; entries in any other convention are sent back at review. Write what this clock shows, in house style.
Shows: 7:13:34
